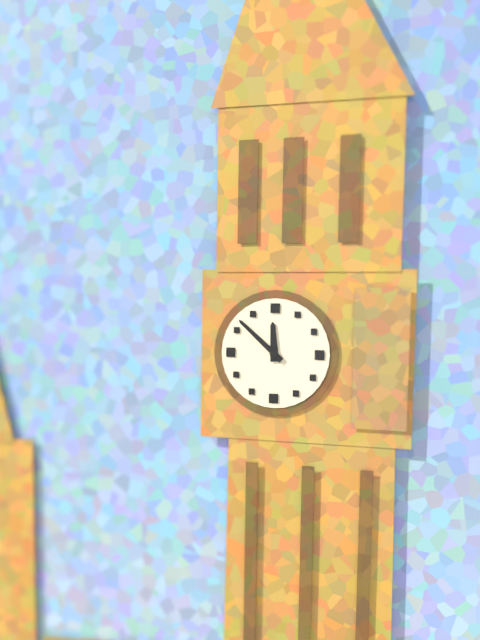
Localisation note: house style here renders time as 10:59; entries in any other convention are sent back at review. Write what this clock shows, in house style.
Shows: 11:52
